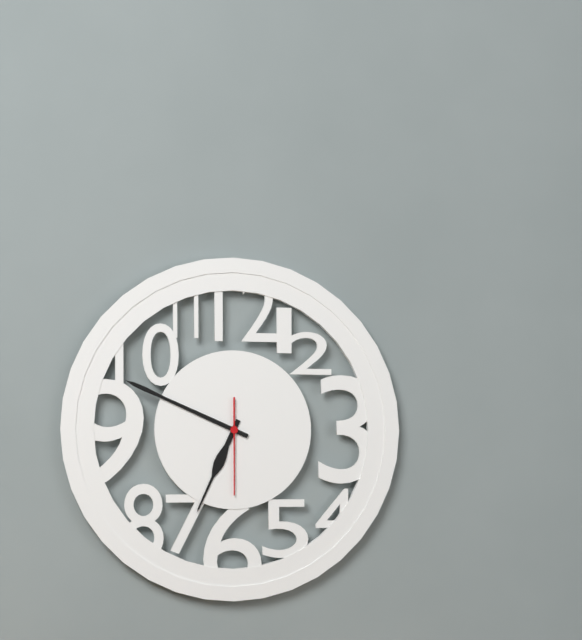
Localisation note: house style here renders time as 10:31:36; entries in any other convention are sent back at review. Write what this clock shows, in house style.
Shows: 6:49:30
